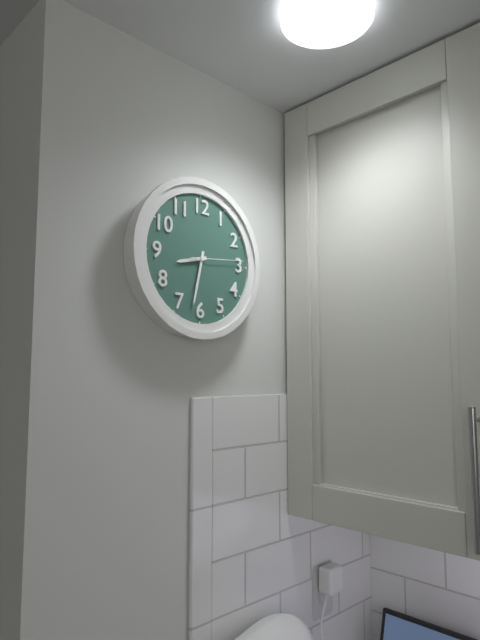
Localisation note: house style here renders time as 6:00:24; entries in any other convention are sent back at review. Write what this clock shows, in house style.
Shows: 8:32:14
